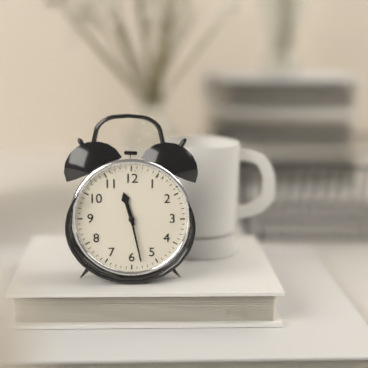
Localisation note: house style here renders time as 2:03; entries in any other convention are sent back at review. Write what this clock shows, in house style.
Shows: 11:28
